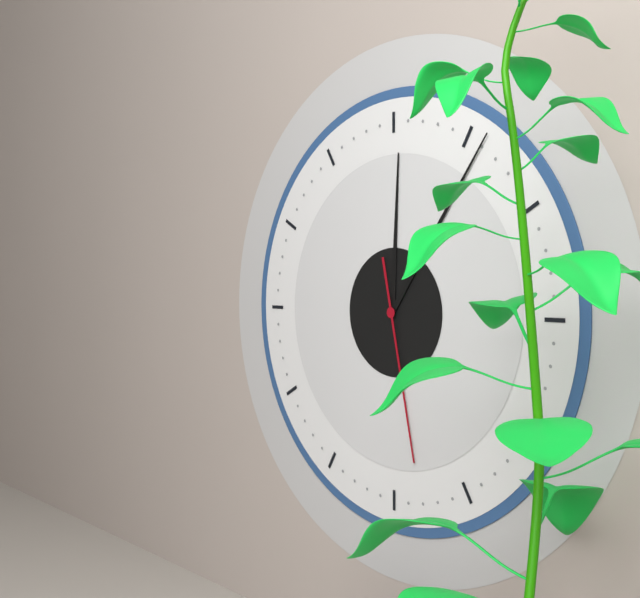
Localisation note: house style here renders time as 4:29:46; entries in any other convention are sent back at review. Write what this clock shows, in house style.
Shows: 12:06:28
